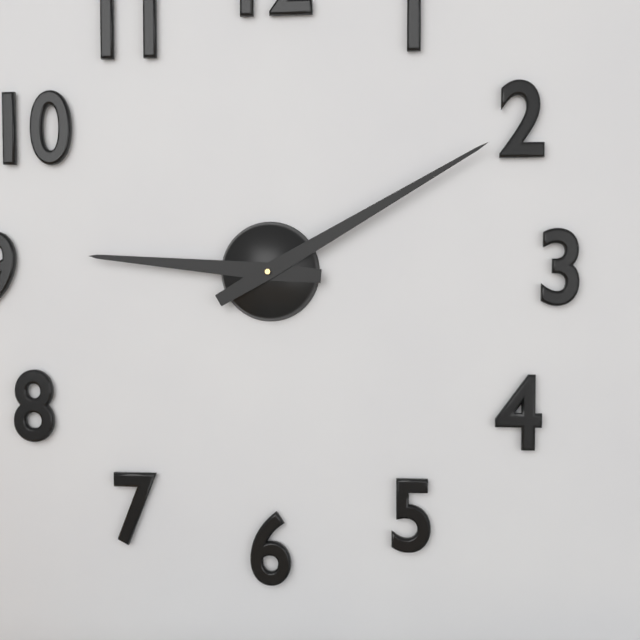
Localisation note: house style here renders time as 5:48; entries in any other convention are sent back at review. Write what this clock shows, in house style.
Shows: 9:10
